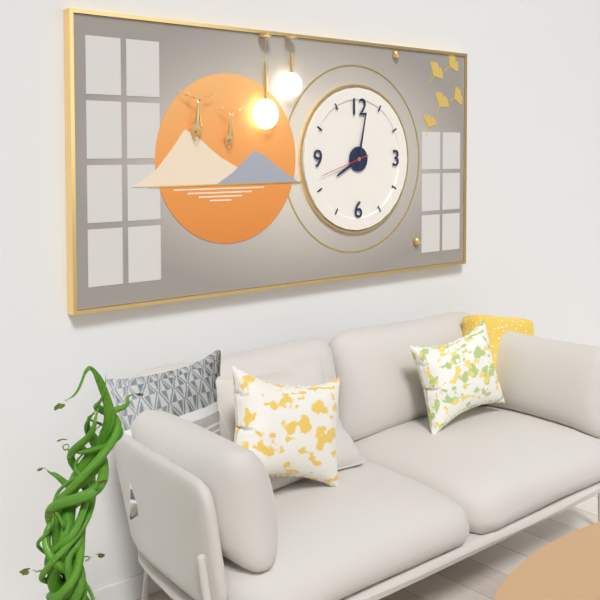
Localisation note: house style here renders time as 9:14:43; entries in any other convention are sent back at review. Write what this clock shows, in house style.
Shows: 8:02:42
